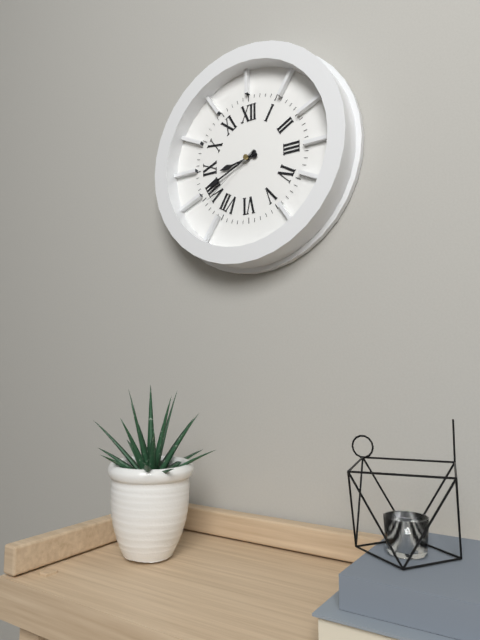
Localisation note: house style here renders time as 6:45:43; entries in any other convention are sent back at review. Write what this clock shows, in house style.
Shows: 8:41:39
